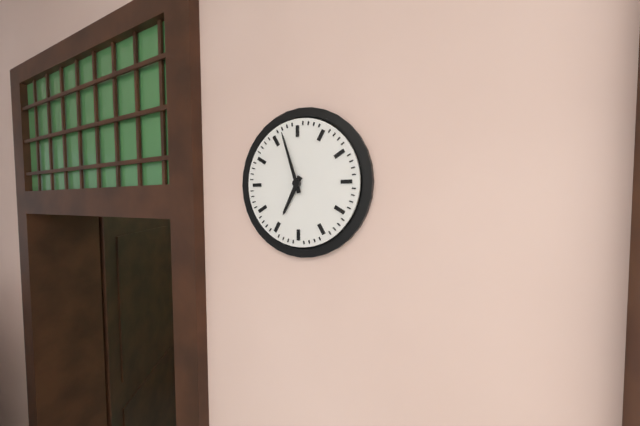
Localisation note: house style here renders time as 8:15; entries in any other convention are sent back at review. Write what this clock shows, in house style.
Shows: 6:57
